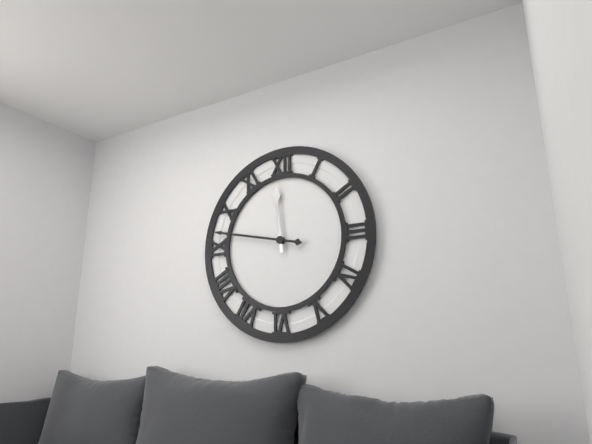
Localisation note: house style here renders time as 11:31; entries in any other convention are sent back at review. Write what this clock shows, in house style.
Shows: 11:47
